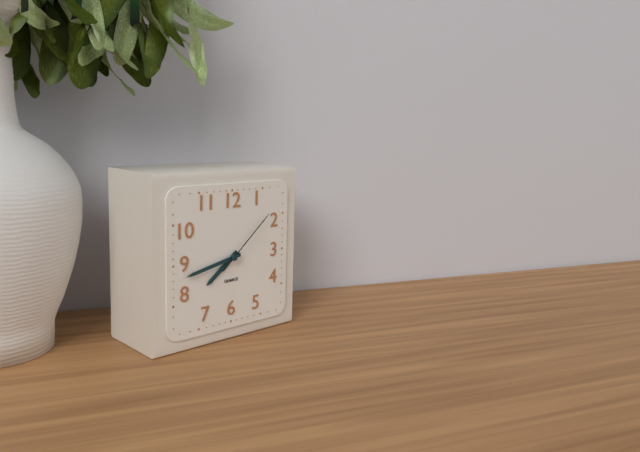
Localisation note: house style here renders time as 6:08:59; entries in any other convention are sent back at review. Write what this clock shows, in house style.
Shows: 7:43:08
